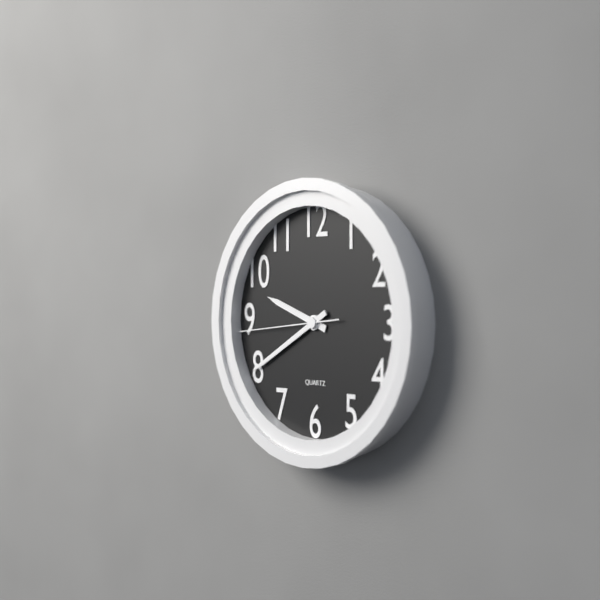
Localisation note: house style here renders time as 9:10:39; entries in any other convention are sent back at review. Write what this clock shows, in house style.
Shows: 9:40:44
